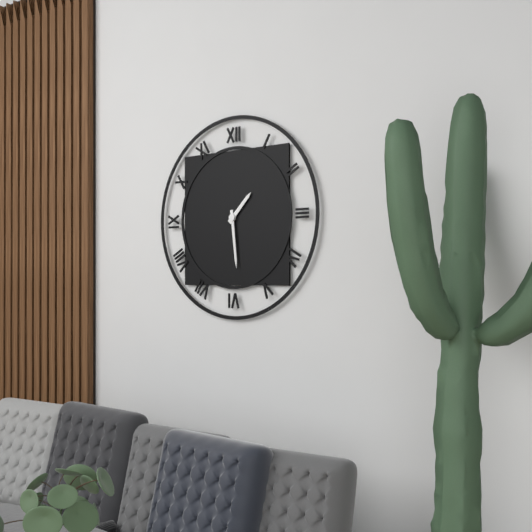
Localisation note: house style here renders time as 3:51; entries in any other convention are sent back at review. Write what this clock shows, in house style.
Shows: 1:29
